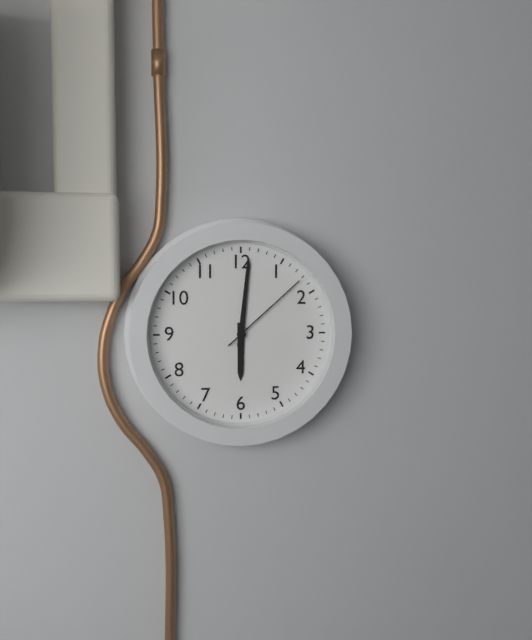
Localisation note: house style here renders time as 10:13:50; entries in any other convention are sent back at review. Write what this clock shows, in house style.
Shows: 6:01:08
